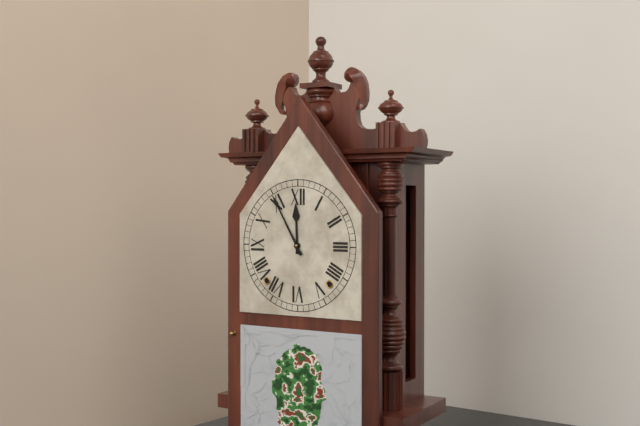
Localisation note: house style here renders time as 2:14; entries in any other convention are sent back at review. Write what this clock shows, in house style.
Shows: 11:55
